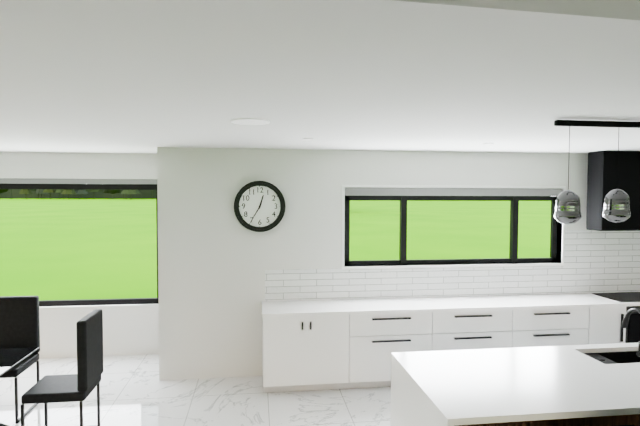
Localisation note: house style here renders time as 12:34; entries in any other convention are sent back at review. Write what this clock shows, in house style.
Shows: 12:35
